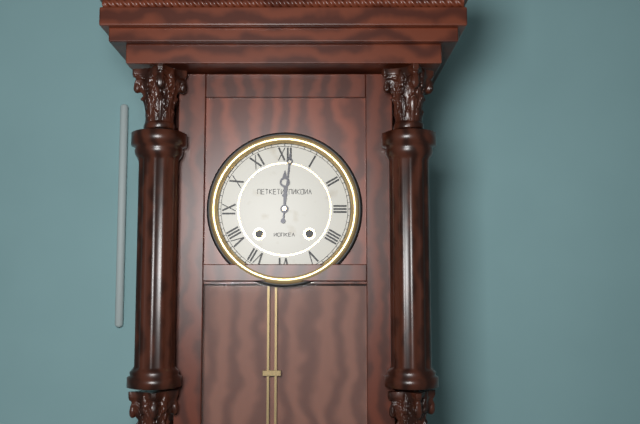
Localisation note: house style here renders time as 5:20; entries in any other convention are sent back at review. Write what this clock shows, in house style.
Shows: 12:01
